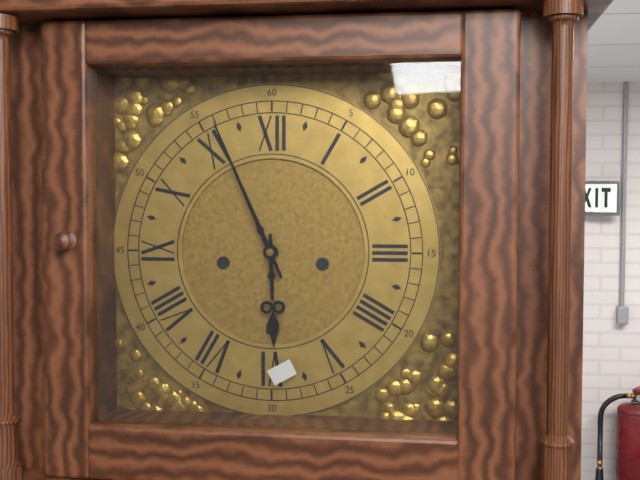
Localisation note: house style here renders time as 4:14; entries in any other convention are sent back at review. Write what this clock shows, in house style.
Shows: 5:56
